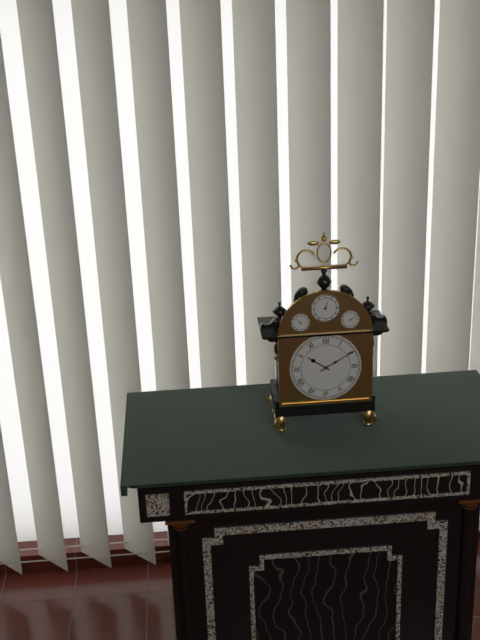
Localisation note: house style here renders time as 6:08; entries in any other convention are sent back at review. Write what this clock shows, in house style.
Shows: 10:10
